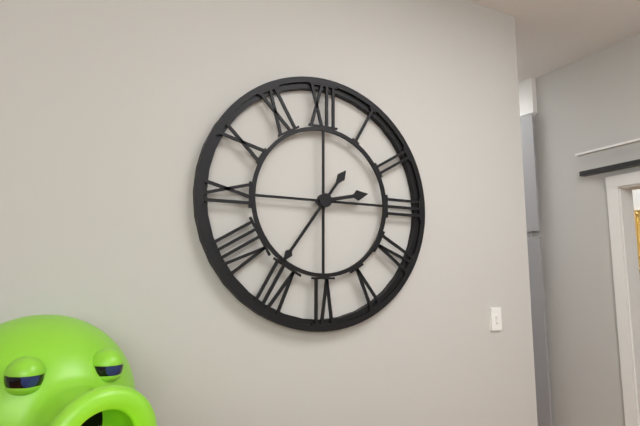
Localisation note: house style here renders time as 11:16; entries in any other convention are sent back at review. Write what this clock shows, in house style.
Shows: 2:36
